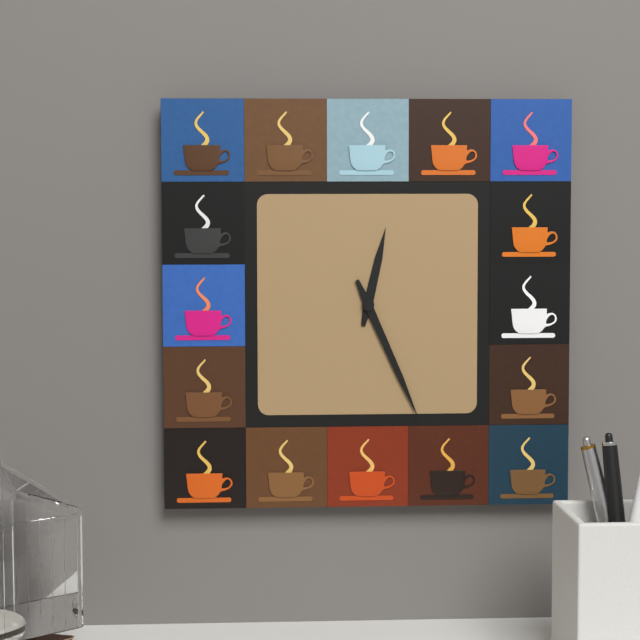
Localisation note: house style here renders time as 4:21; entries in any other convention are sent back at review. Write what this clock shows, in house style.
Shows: 12:26
